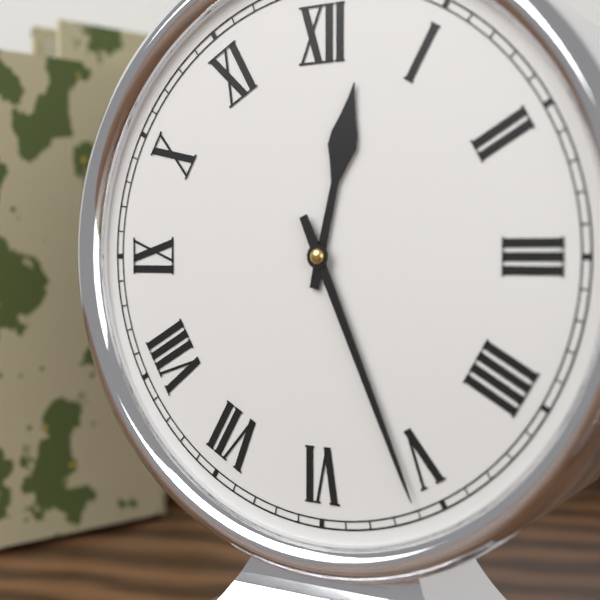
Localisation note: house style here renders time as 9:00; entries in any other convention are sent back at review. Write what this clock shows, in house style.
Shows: 12:26
